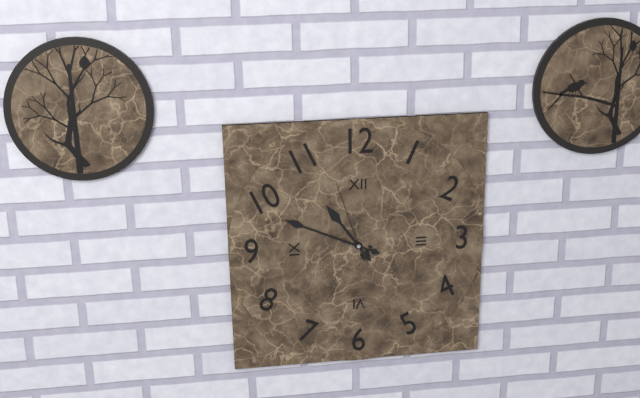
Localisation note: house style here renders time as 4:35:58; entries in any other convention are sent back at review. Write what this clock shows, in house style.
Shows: 10:49:57
